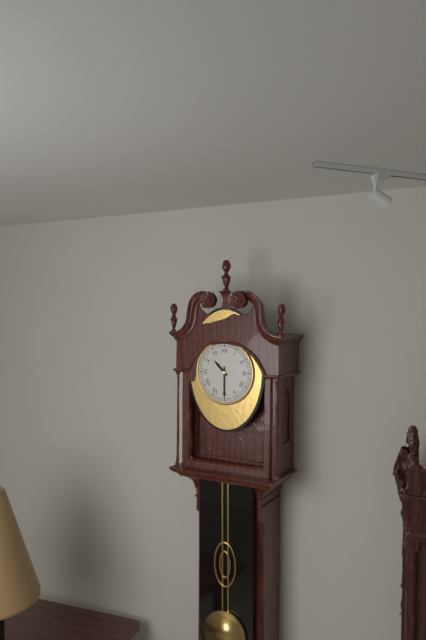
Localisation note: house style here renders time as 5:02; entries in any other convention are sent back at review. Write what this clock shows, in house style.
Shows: 10:30
